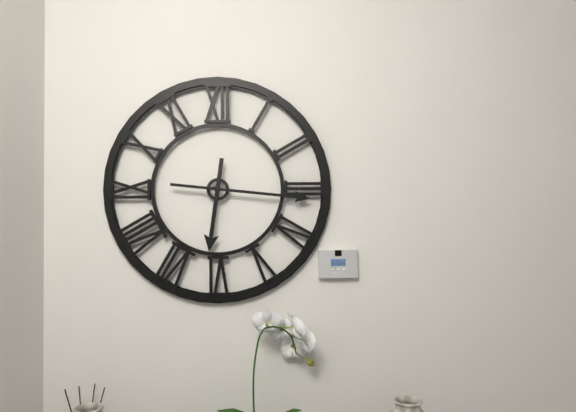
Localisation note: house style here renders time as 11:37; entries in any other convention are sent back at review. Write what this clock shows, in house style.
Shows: 6:16
